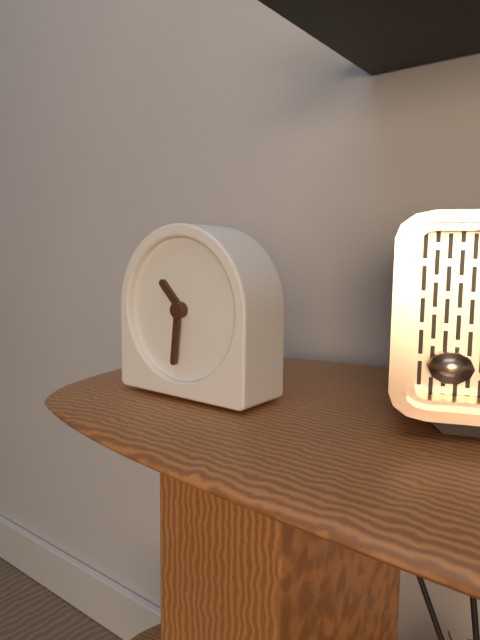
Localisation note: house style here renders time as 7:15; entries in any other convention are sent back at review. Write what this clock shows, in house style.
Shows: 10:31
